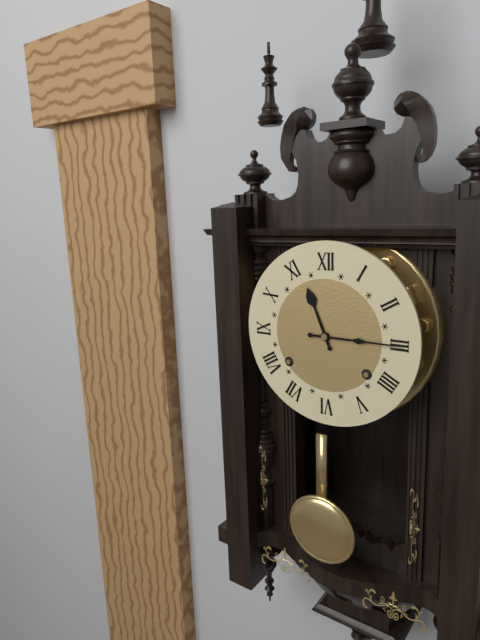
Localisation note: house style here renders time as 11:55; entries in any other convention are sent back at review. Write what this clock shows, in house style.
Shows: 11:15
